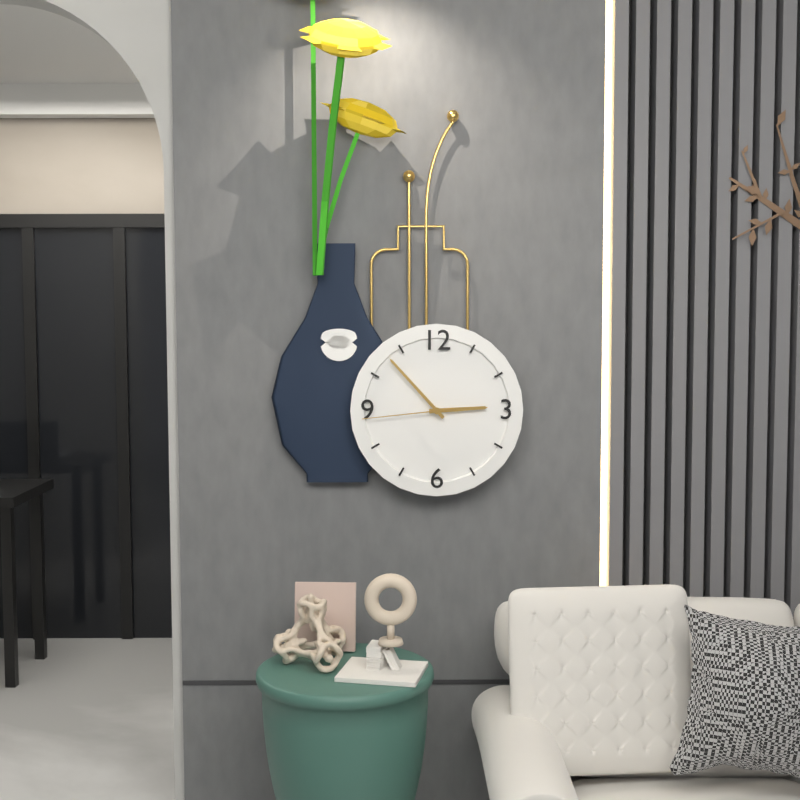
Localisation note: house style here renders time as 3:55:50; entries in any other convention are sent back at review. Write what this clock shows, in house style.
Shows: 2:53:44
